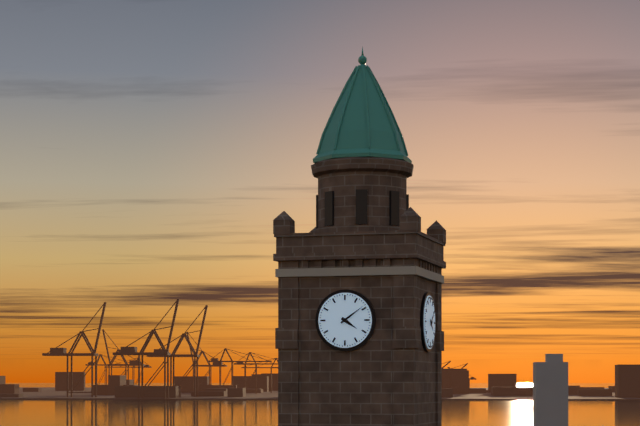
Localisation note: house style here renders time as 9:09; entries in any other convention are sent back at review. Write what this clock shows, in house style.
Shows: 4:09
